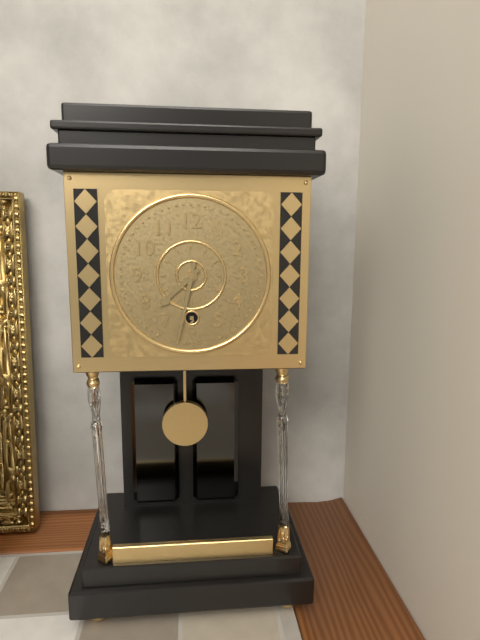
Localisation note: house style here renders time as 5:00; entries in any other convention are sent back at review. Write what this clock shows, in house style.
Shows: 7:32
